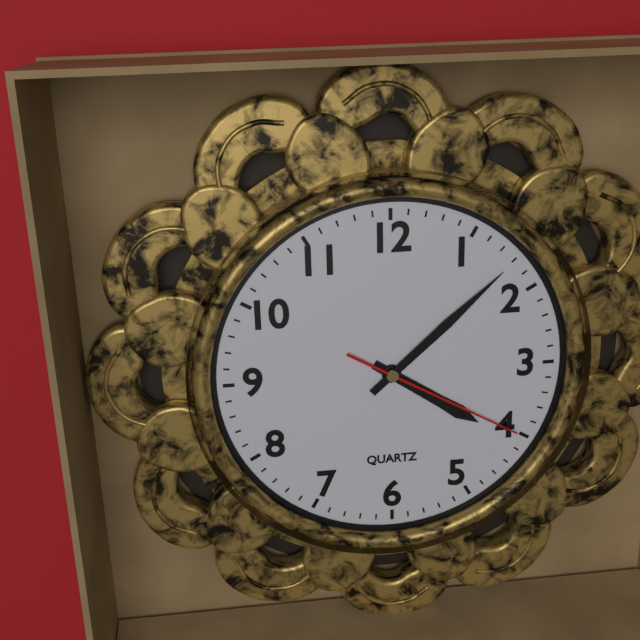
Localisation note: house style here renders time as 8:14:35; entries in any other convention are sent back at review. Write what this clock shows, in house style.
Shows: 4:08:20
